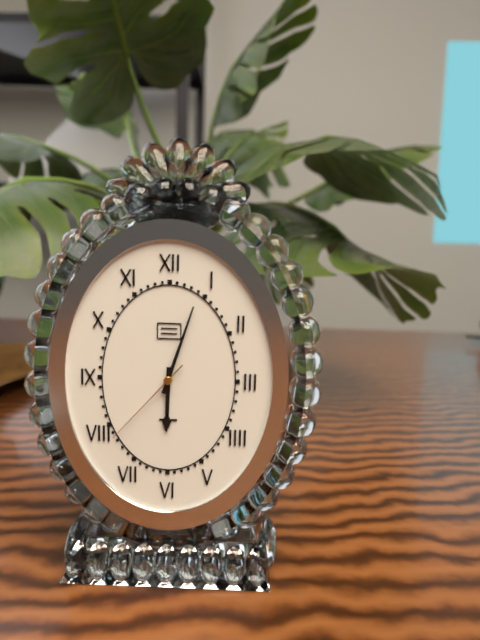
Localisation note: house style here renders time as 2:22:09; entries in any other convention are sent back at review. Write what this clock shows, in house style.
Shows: 6:03:37
